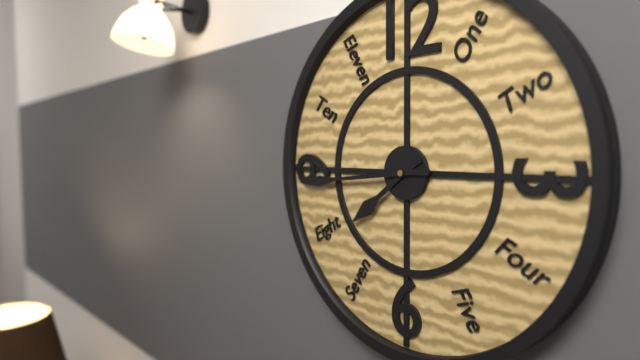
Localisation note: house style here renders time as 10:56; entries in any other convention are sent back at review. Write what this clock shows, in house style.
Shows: 7:44
